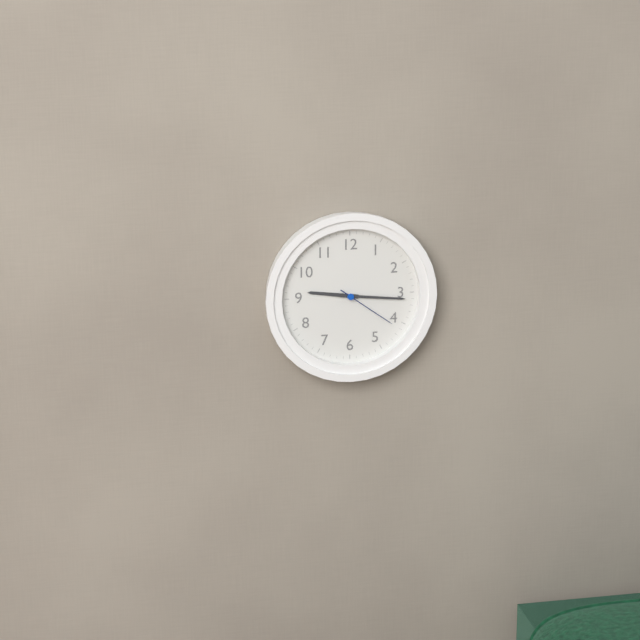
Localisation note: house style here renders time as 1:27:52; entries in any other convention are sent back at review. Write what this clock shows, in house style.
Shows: 9:16:21
